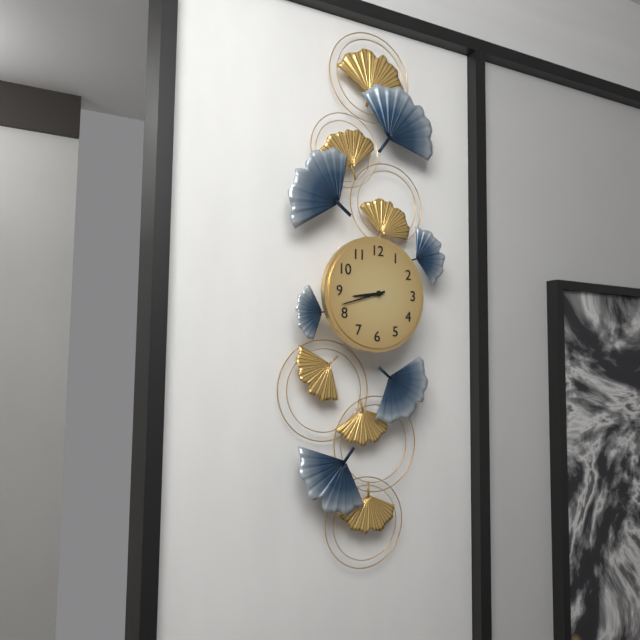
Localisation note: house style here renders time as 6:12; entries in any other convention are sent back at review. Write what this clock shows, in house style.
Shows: 8:42
